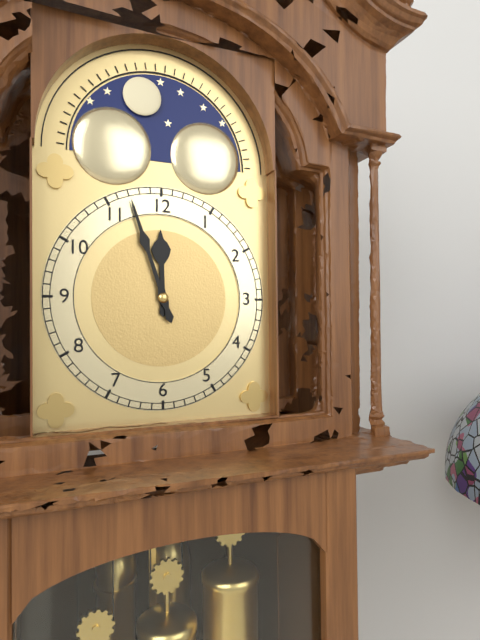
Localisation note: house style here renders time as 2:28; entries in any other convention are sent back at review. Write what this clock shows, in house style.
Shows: 11:57
